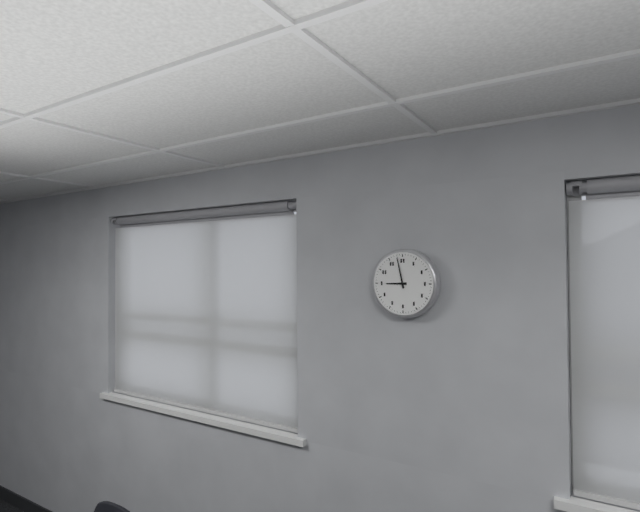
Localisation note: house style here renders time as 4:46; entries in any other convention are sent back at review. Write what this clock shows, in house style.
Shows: 8:58
